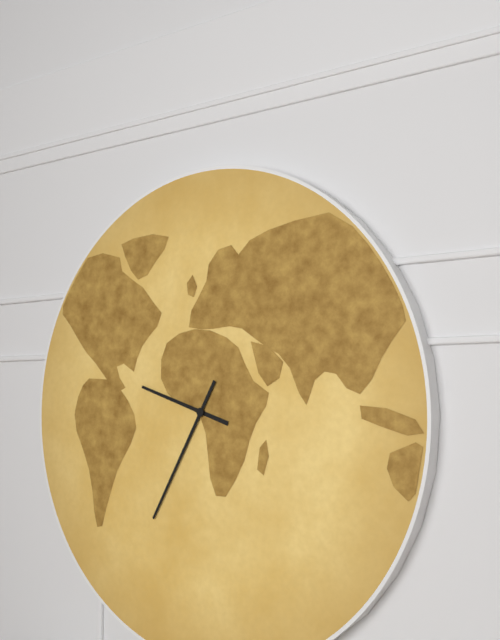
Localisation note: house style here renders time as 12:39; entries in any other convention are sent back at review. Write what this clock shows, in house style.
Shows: 9:35
